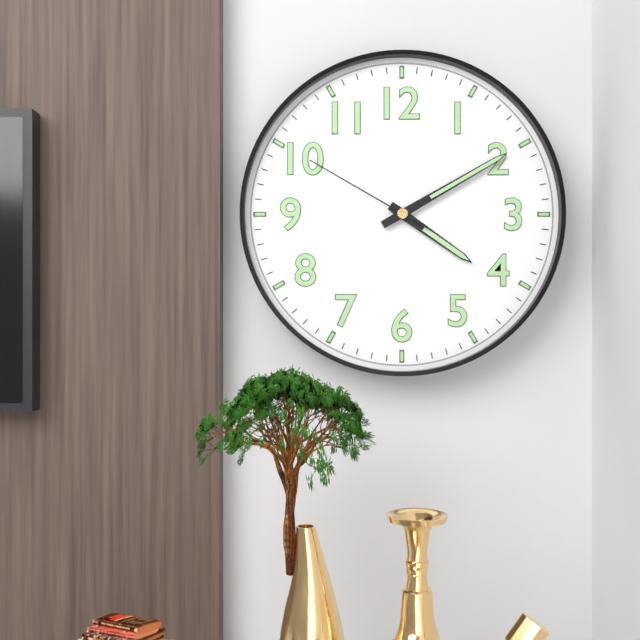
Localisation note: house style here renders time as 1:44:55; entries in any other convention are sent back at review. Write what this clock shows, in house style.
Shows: 4:10:50
